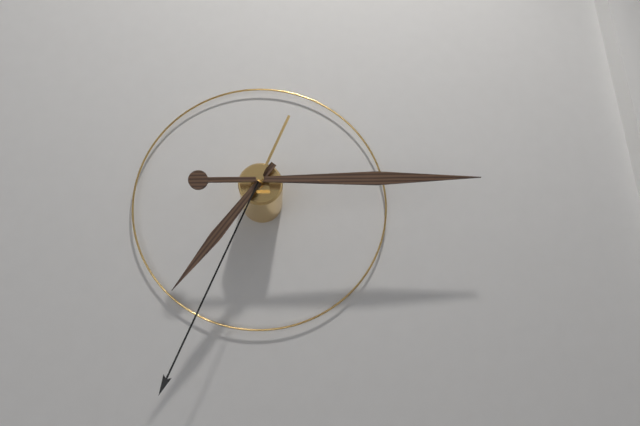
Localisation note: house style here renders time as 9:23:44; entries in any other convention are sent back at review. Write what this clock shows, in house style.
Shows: 7:15:34
